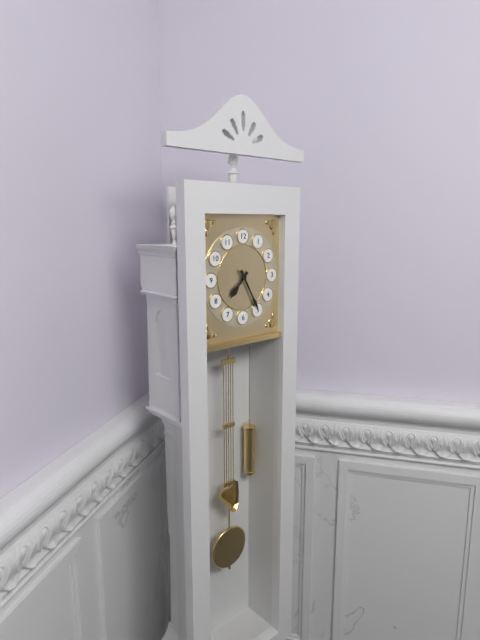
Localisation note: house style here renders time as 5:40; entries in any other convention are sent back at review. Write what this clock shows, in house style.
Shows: 7:25
